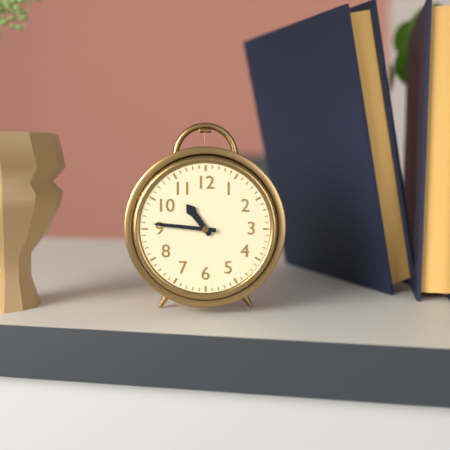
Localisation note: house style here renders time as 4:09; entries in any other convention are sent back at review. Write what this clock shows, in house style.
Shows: 10:46
